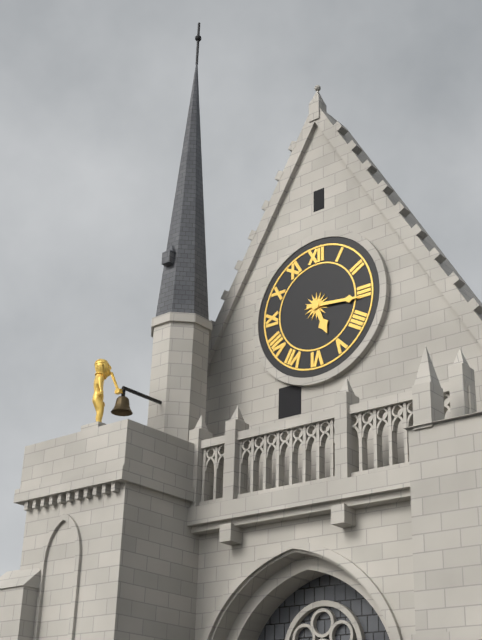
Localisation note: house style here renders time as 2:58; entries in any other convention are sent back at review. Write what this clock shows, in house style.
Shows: 5:16
